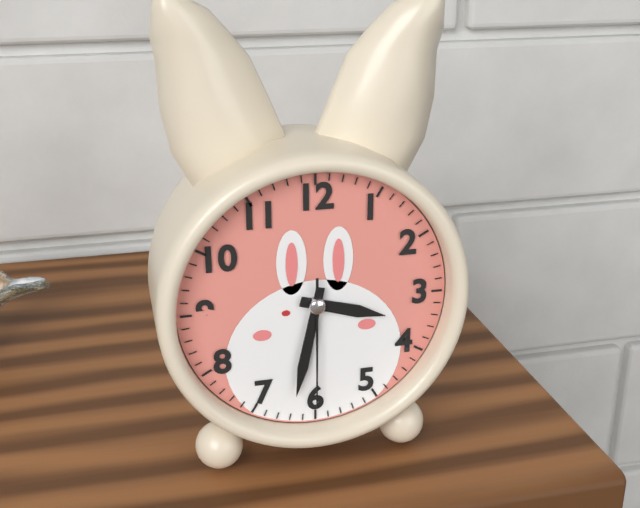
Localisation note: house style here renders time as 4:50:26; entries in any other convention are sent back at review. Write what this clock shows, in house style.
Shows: 3:32:30
